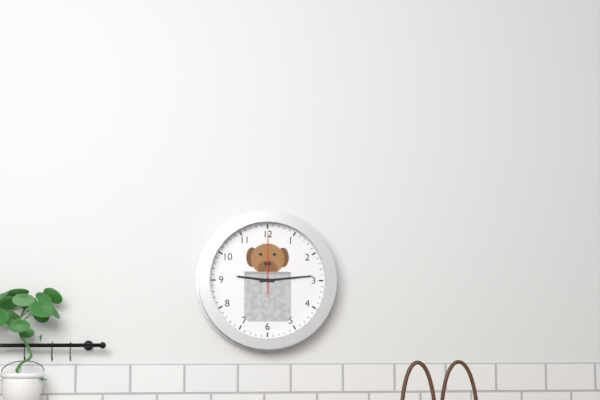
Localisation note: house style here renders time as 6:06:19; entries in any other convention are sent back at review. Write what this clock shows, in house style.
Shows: 9:14:00
